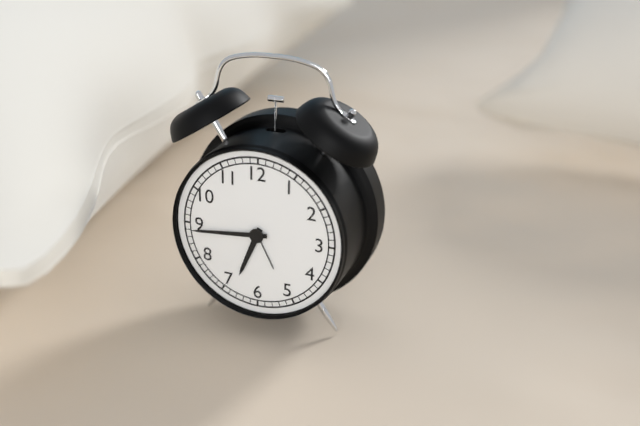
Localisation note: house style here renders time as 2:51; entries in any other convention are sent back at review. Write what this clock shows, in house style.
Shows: 6:44
